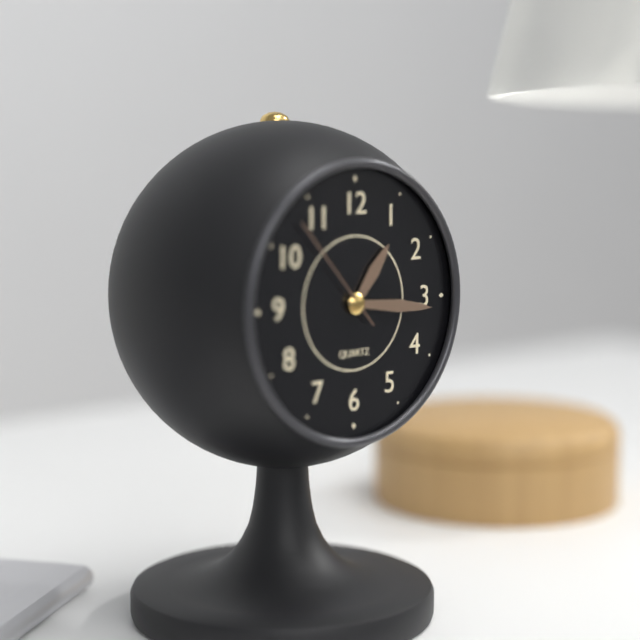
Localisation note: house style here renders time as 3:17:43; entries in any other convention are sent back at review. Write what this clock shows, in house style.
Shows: 1:16:53
